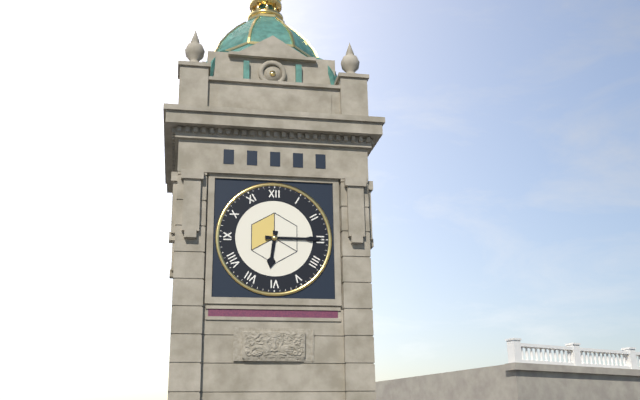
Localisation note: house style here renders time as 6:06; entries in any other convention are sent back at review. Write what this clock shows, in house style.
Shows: 6:15
